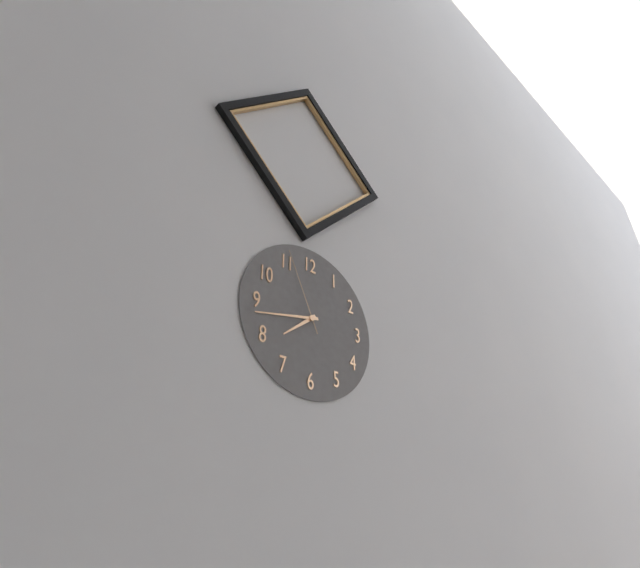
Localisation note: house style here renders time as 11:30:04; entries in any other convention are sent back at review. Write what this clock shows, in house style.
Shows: 7:43:56
